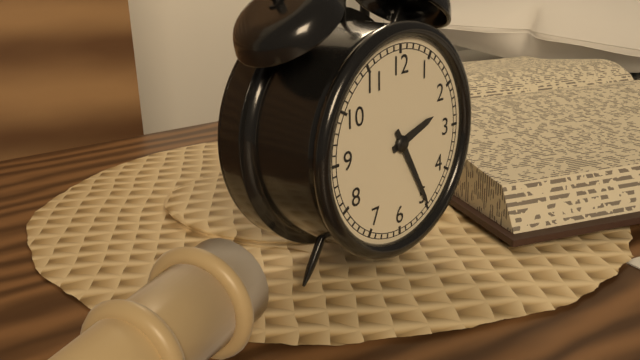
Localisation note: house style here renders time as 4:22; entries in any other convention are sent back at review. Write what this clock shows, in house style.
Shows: 2:25
